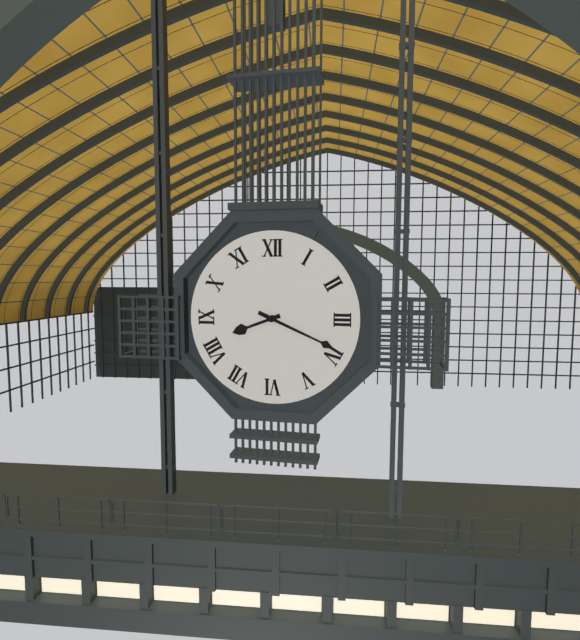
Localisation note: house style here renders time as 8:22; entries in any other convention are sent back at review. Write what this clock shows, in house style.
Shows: 8:19
